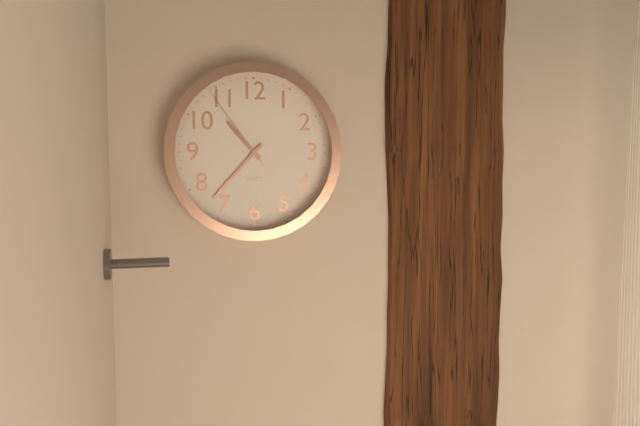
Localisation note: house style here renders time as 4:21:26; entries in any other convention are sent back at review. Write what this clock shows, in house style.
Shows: 10:37:54
